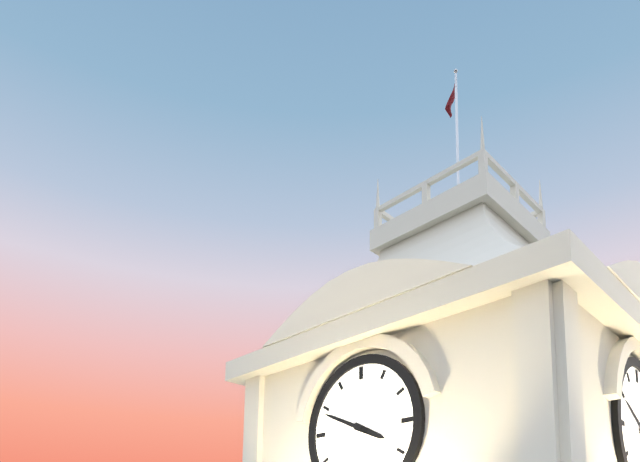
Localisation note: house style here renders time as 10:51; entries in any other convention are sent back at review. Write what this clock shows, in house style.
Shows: 3:49
